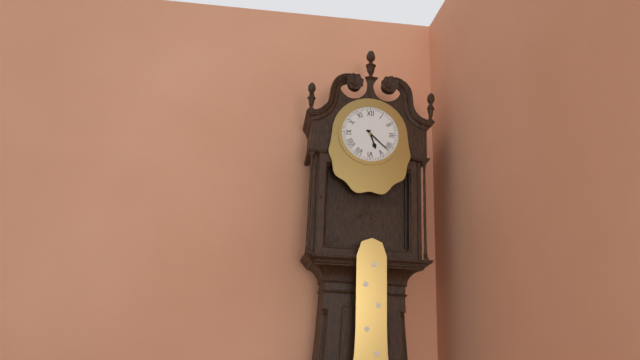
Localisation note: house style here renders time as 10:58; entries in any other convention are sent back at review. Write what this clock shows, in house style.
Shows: 5:22
